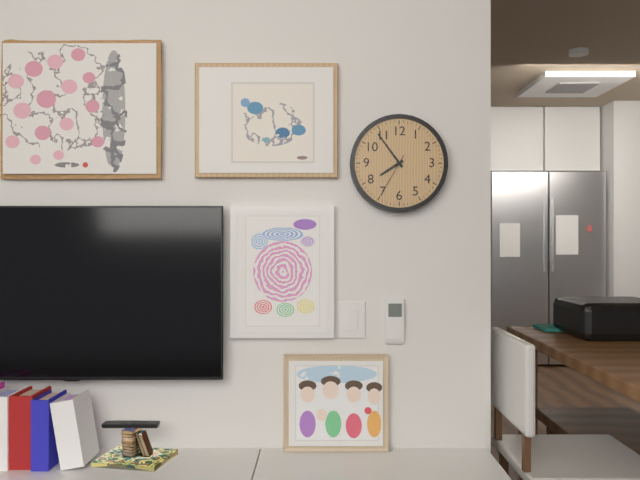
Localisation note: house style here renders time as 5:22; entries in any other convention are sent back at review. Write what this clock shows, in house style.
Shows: 7:54
